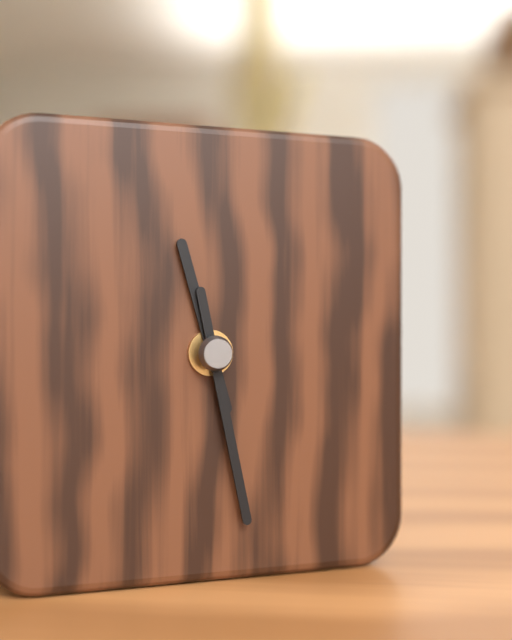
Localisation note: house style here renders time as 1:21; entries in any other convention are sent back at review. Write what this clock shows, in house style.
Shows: 11:28
